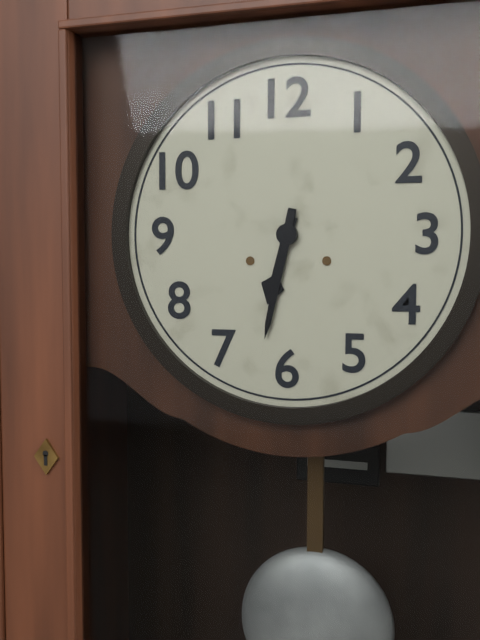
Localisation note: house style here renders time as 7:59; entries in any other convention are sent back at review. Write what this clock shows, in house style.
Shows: 6:32
